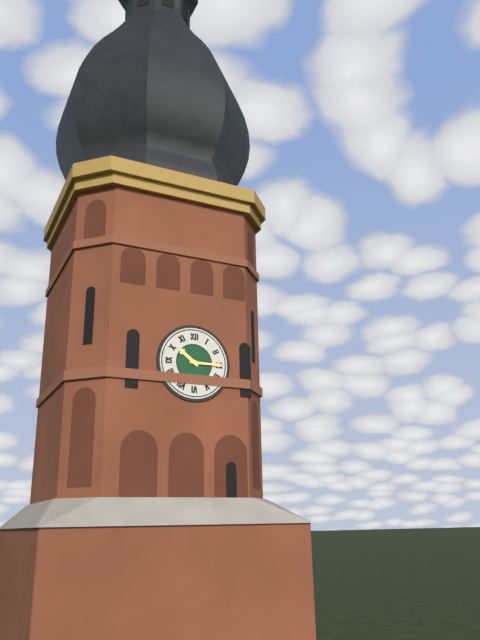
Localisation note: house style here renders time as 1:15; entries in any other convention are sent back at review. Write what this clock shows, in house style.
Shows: 10:15
